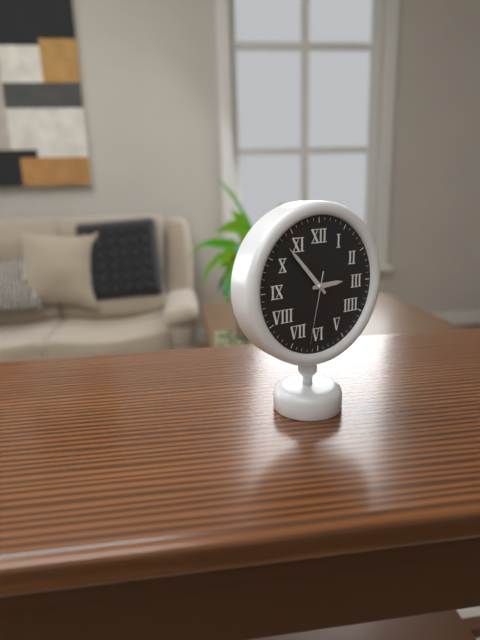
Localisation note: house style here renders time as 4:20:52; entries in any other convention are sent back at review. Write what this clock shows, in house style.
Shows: 2:53:32
